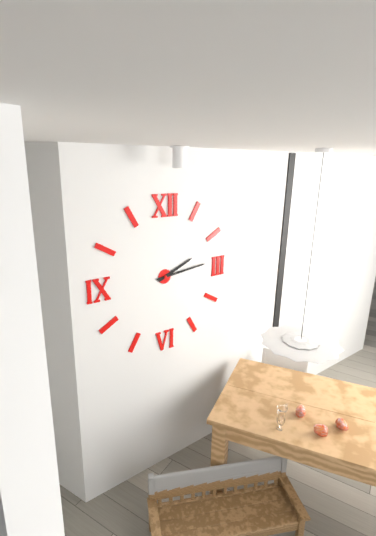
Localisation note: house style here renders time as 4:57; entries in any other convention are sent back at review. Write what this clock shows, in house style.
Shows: 2:14
